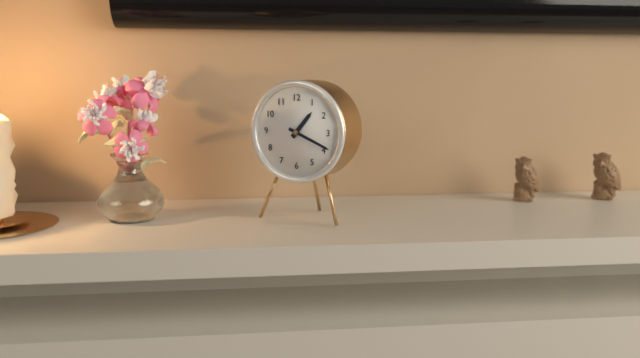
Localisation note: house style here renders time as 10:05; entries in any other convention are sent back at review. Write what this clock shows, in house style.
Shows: 1:19
